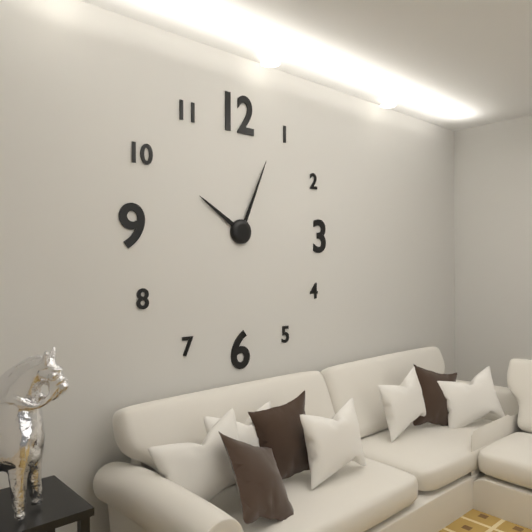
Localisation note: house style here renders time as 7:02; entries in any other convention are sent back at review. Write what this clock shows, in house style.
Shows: 10:04
